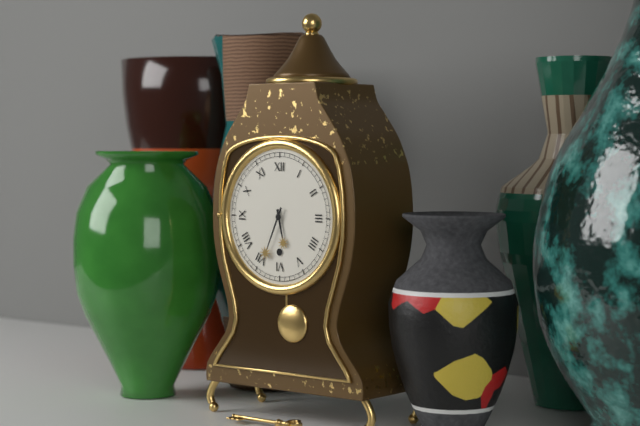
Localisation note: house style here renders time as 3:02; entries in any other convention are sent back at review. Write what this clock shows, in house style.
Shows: 5:34
